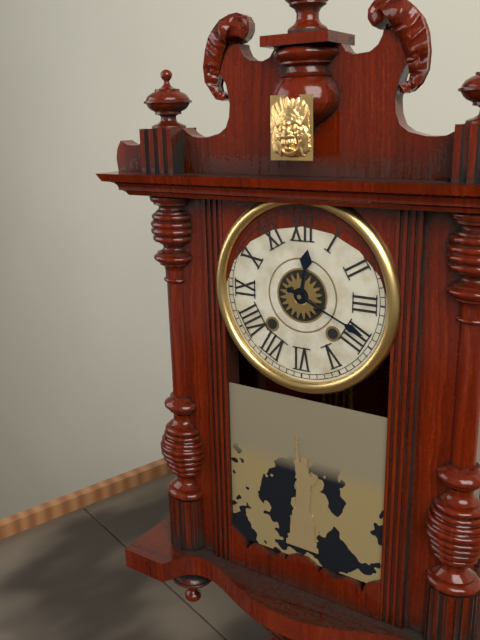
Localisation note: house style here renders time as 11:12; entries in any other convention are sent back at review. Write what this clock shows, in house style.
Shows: 12:19
